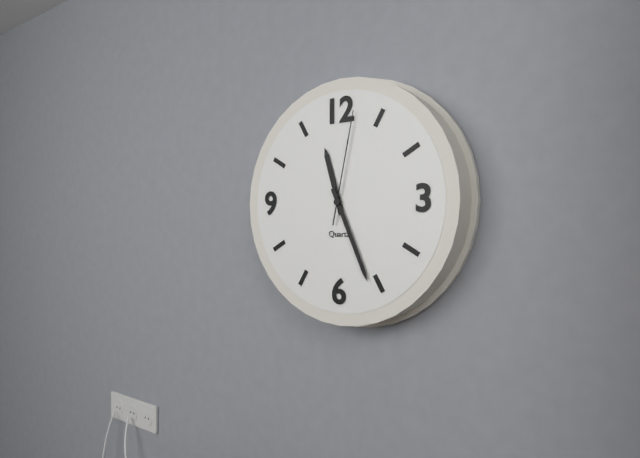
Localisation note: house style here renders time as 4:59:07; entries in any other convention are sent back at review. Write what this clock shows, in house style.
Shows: 11:26:02
